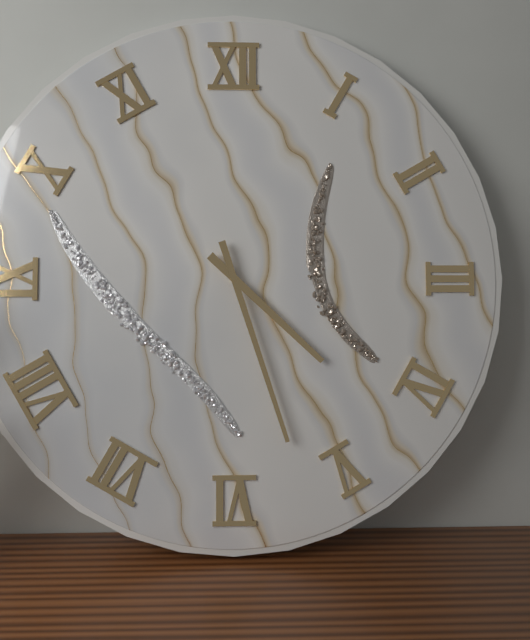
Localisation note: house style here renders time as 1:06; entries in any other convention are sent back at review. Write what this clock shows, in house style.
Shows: 4:27
